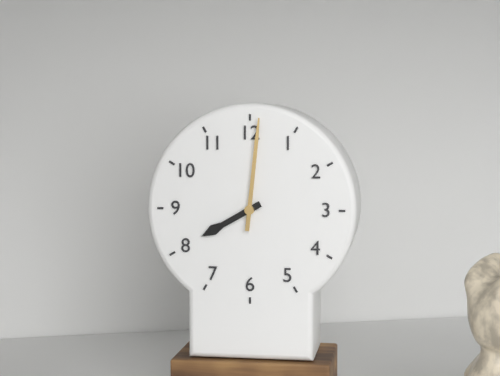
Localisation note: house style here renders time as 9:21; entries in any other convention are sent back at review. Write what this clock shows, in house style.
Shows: 8:01
